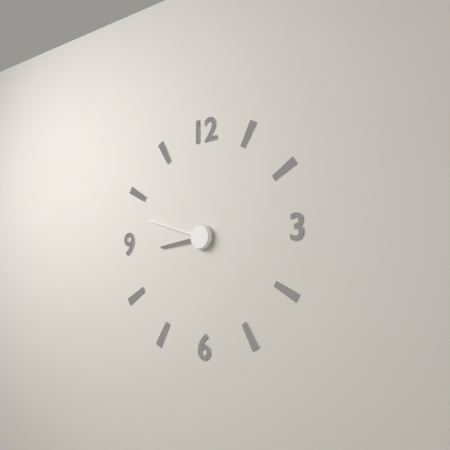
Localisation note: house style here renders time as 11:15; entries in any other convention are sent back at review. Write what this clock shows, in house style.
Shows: 8:48
